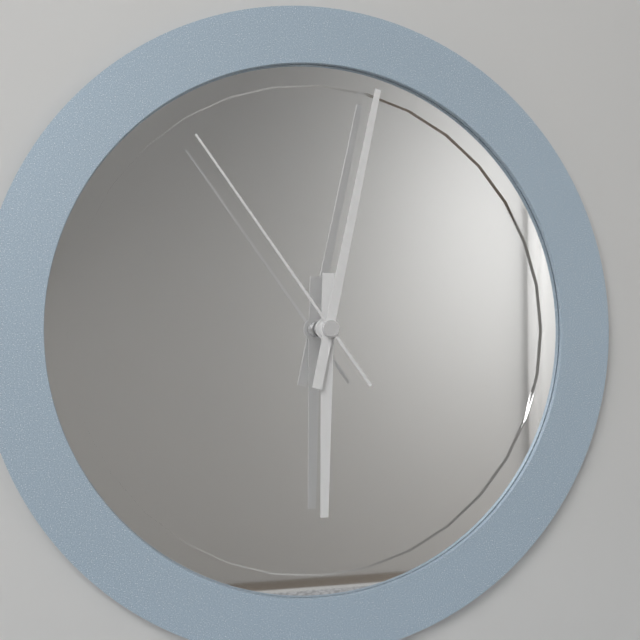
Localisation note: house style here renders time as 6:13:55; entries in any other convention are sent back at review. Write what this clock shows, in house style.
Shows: 6:02:54
